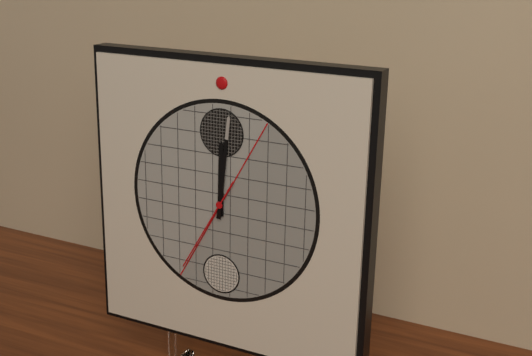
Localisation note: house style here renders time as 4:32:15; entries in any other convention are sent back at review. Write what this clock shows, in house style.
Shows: 12:01:35
